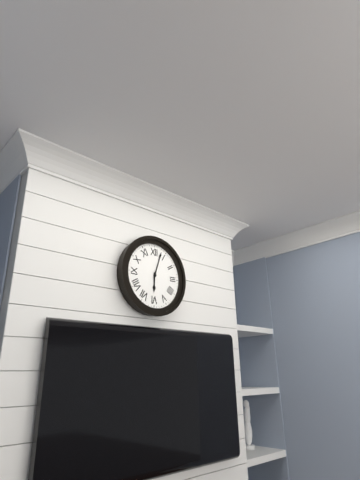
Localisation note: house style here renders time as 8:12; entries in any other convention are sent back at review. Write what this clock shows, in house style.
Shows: 6:03
